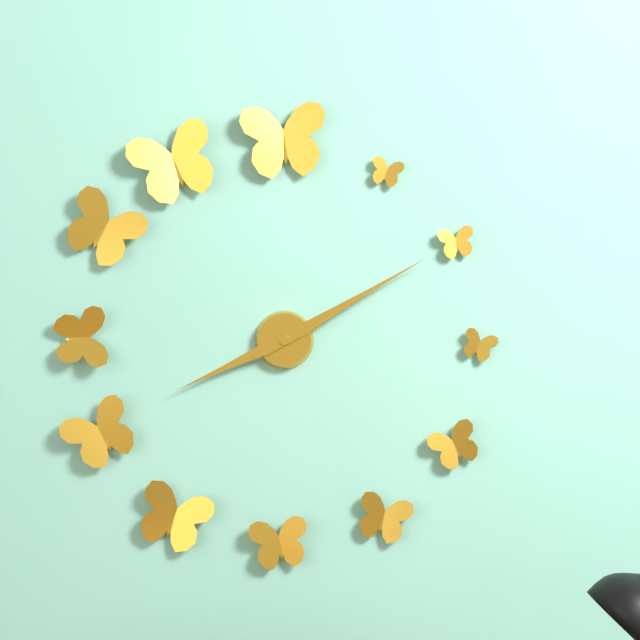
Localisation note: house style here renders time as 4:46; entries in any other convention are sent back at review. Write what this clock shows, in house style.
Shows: 8:10
